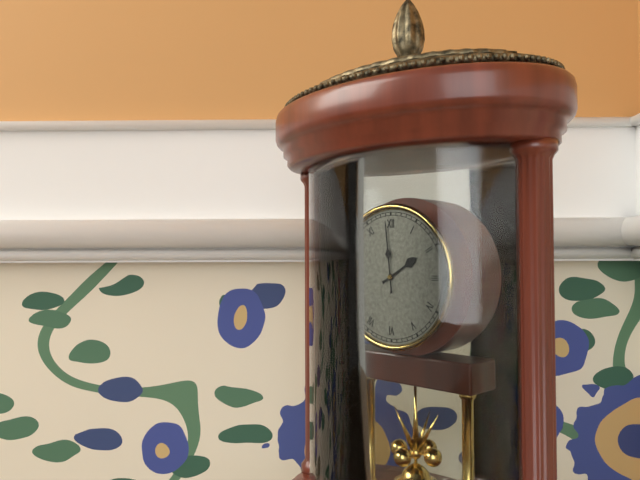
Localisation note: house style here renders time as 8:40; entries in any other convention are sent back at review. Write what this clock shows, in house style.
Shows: 1:59
